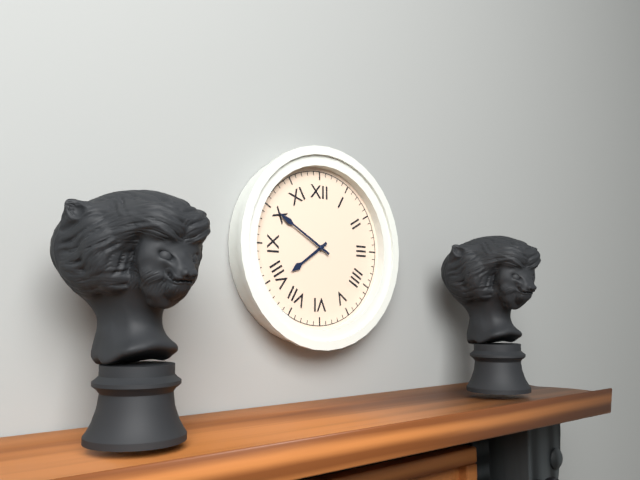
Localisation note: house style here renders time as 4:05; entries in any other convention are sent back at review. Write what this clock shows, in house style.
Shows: 7:50
